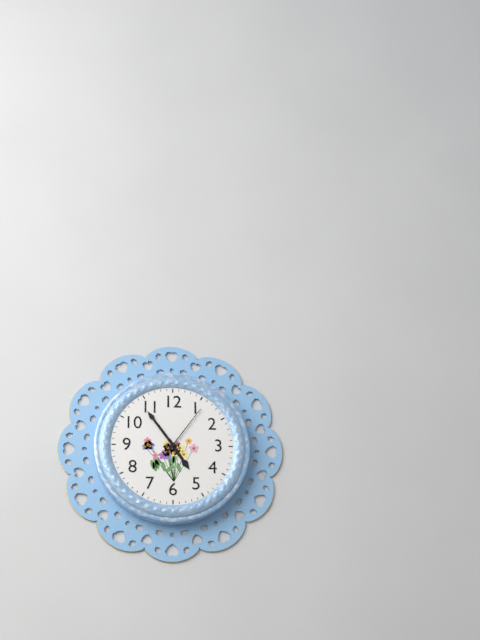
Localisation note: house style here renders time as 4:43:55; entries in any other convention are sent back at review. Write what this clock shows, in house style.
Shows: 4:54:06
